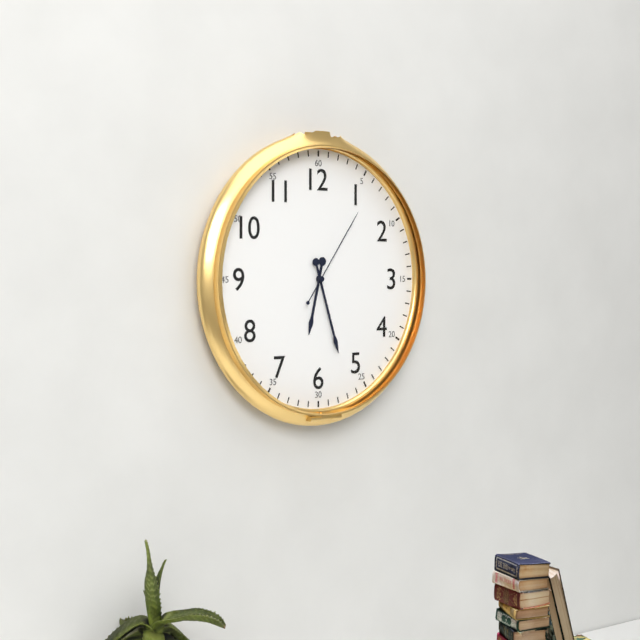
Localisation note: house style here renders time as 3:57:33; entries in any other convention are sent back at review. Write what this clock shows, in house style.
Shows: 6:27:06
